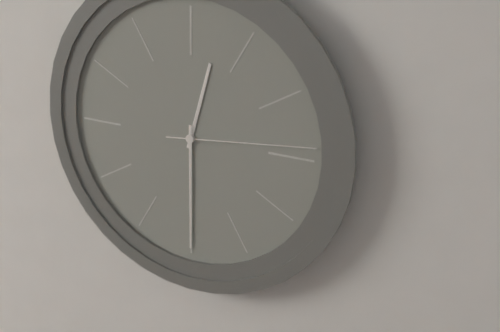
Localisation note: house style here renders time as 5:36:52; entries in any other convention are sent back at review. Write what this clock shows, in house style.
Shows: 12:30:14
